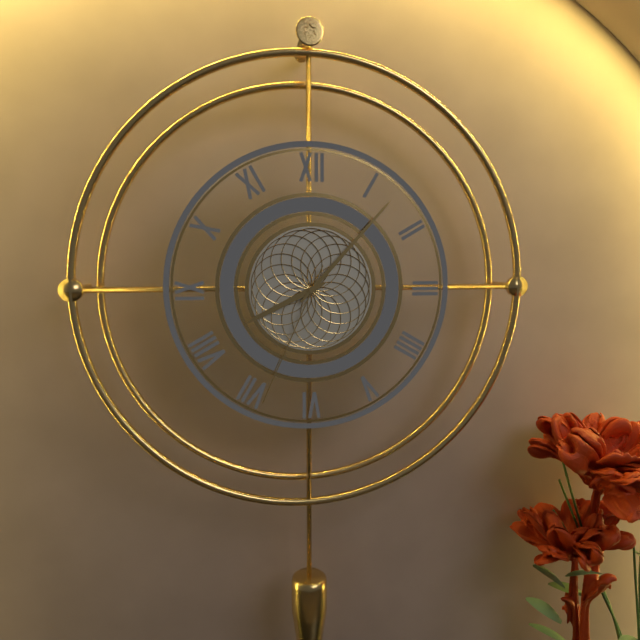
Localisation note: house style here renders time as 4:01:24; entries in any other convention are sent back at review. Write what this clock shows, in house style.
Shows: 8:07:34
